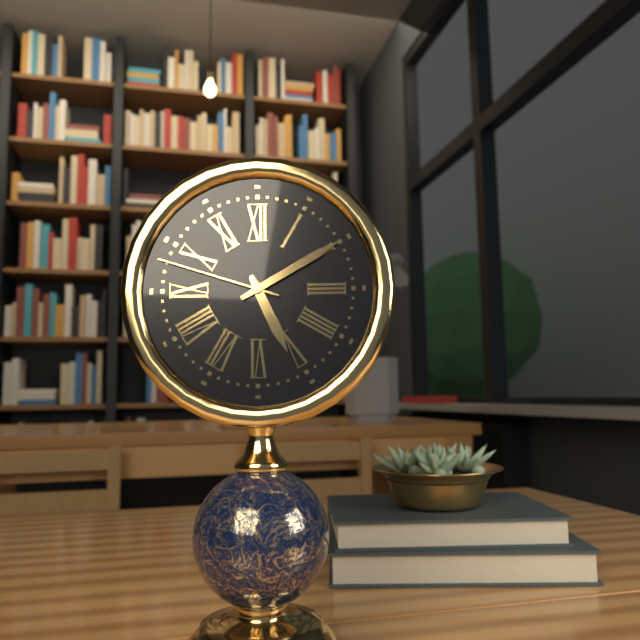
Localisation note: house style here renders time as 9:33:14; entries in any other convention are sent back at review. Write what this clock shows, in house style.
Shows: 5:10:48
